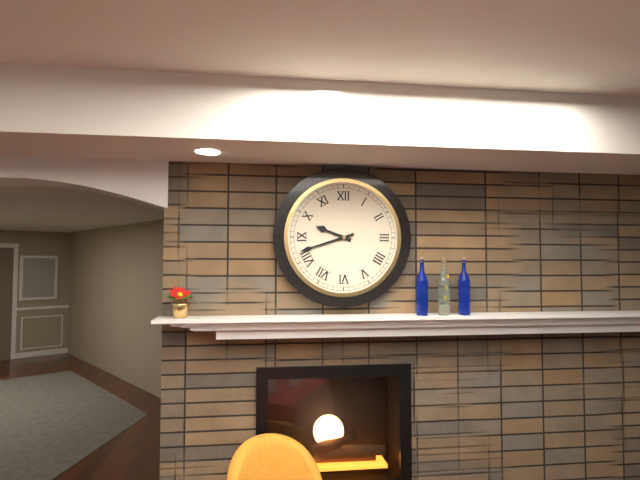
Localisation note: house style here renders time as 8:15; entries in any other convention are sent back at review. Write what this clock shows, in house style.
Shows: 9:42
